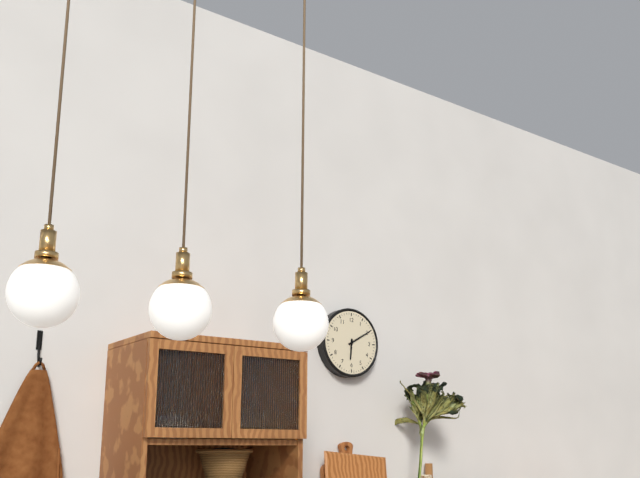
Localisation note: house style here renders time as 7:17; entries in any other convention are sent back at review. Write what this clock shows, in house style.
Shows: 6:10
